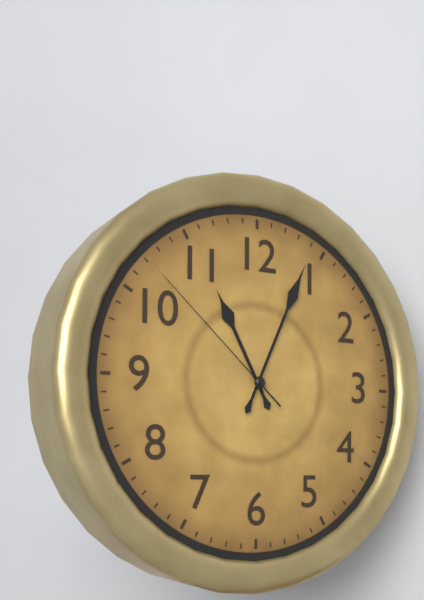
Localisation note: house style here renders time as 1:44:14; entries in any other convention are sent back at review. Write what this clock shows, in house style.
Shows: 11:04:52
